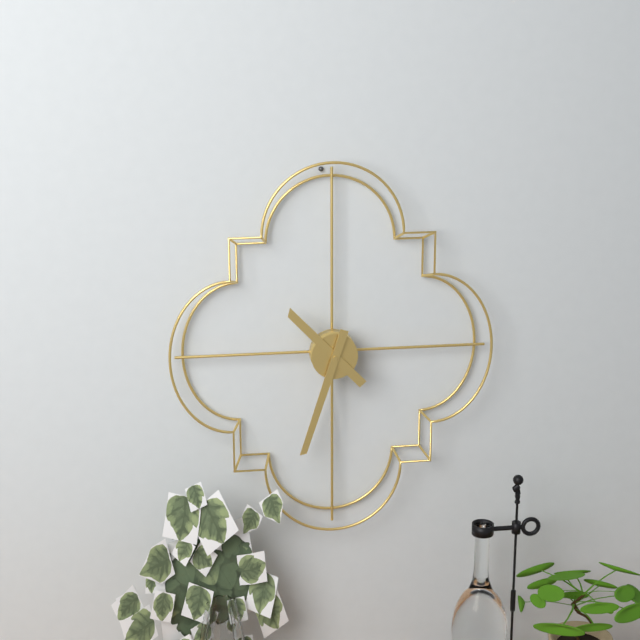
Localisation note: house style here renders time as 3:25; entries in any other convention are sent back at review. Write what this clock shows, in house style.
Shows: 10:33
